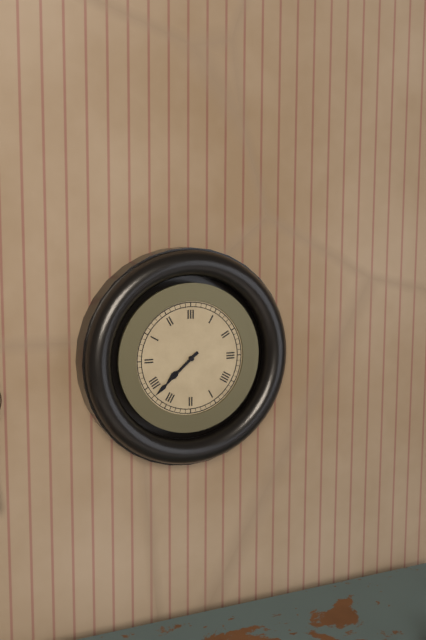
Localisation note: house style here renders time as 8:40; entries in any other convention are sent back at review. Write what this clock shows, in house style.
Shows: 7:38
